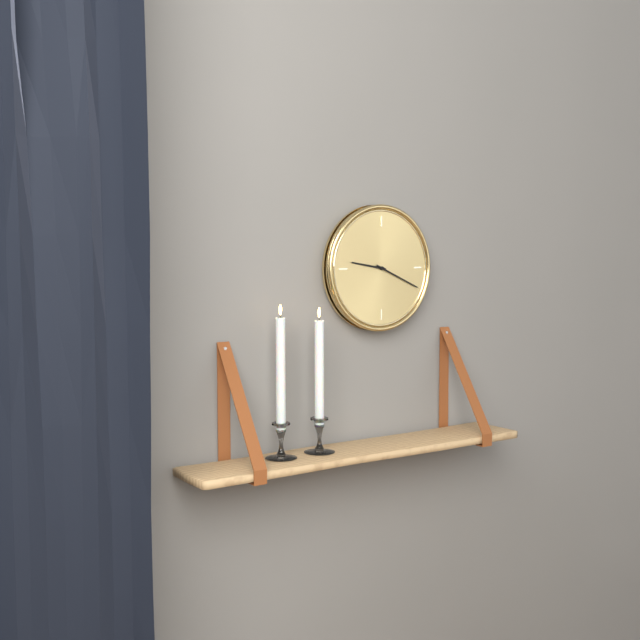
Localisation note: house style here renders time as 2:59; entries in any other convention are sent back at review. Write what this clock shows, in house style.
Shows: 9:19
